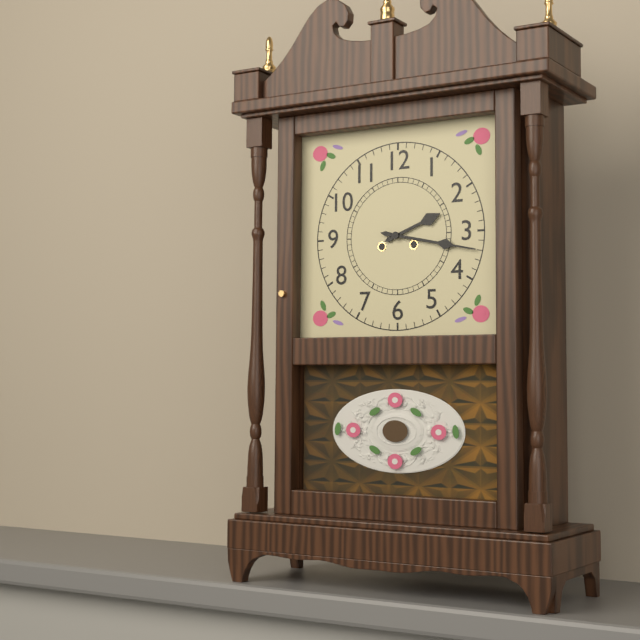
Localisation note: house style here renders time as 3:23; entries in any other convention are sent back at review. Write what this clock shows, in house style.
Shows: 2:17
